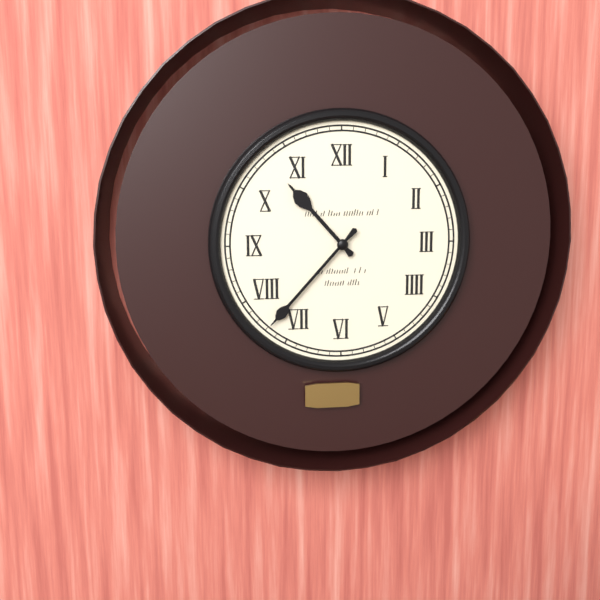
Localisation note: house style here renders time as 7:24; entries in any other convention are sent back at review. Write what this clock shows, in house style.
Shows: 10:37
